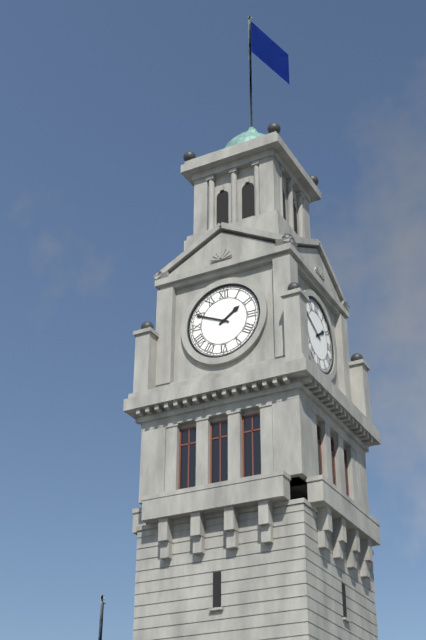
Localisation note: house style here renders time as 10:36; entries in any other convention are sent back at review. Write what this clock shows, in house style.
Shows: 1:49
